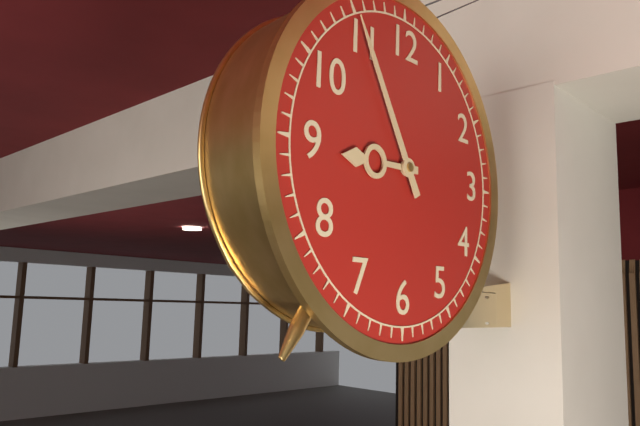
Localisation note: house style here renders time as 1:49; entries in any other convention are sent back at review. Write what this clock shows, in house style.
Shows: 8:55
